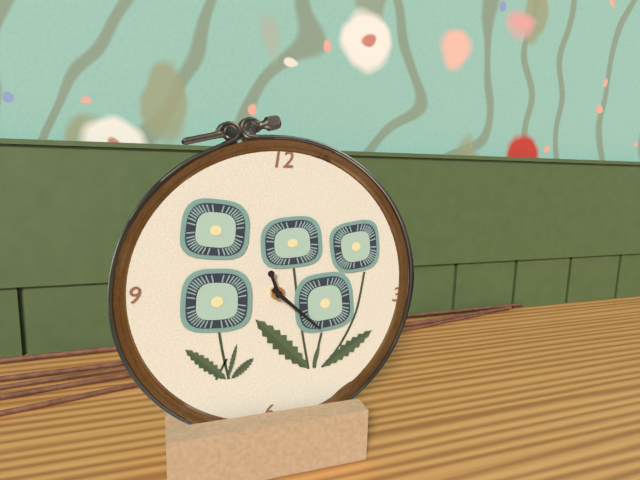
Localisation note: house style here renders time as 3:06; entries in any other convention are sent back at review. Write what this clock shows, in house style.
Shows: 11:22
